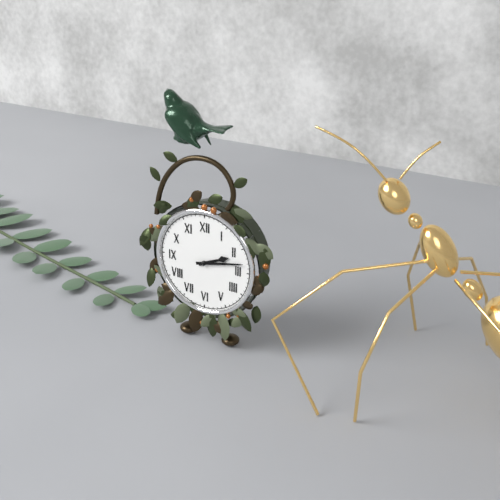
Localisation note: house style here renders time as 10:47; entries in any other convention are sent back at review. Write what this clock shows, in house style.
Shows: 2:13
